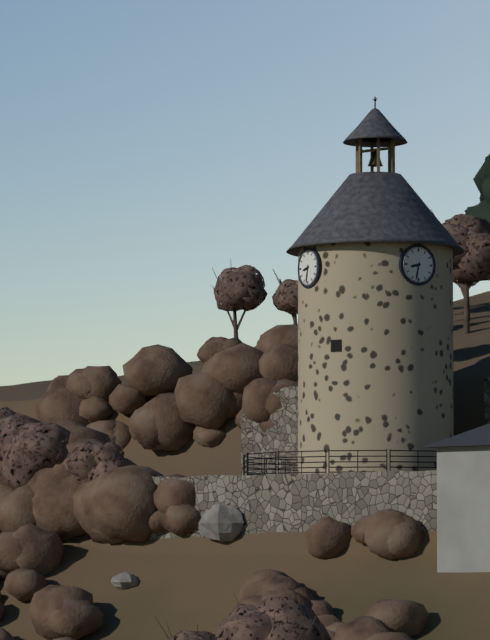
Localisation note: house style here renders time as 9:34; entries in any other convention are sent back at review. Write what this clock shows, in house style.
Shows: 8:32
